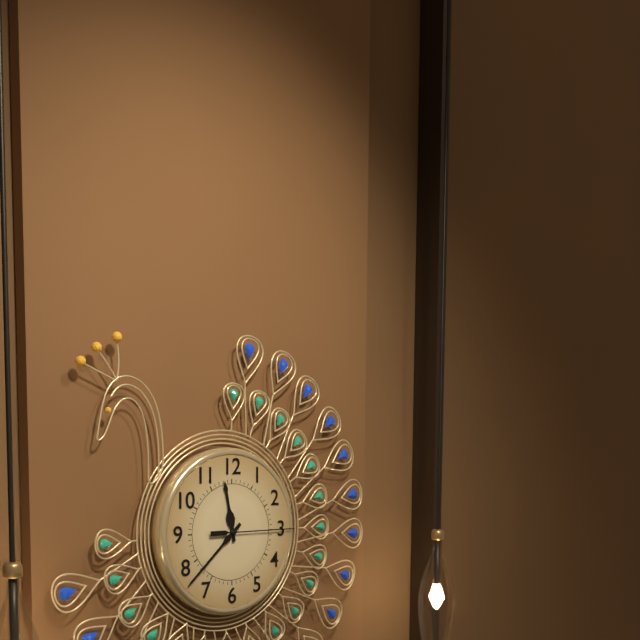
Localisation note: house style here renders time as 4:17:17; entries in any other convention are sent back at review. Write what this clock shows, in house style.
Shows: 11:38:15
